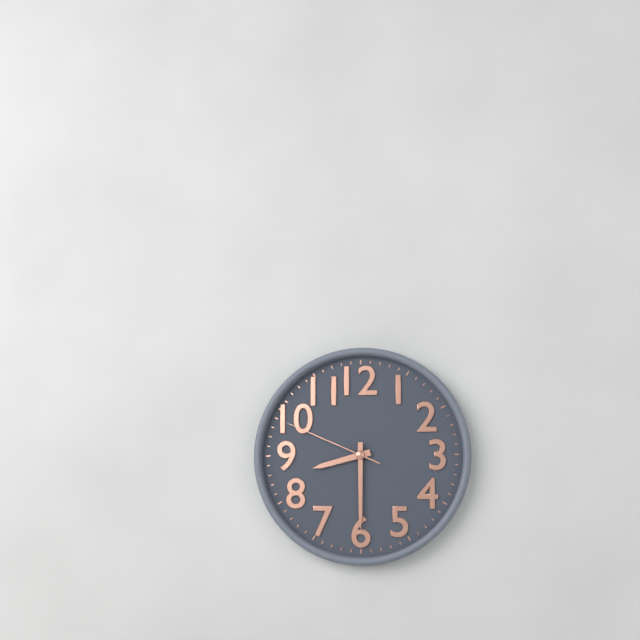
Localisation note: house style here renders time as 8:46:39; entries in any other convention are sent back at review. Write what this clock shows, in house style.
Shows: 8:30:49
